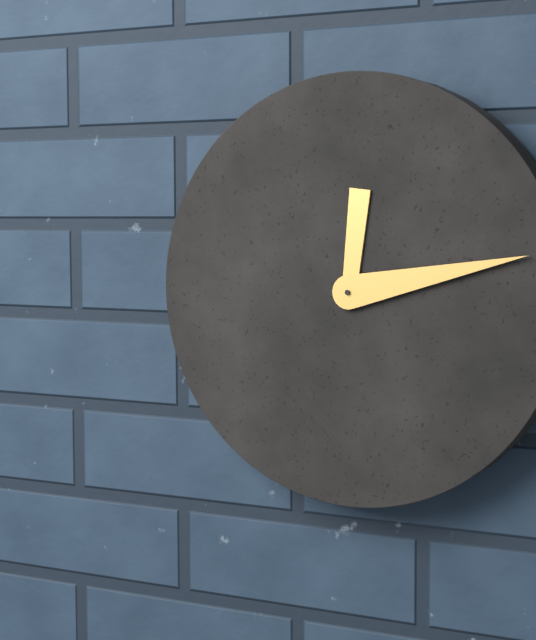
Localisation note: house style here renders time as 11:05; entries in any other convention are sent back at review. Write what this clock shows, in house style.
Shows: 12:13
